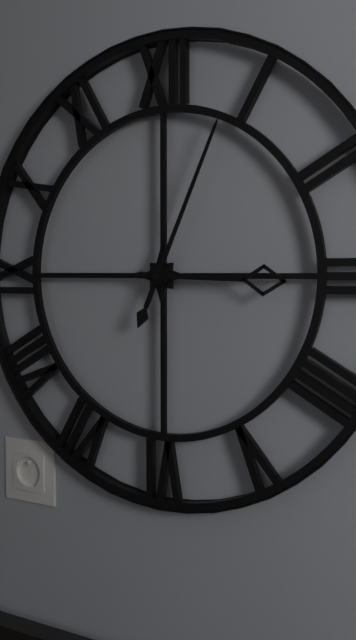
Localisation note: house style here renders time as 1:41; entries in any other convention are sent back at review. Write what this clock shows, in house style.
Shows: 3:04
